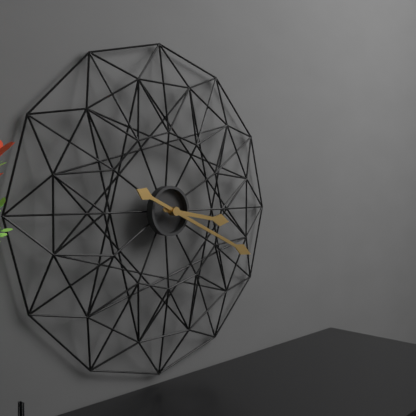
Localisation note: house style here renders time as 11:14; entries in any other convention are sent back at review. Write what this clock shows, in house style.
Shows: 3:19
